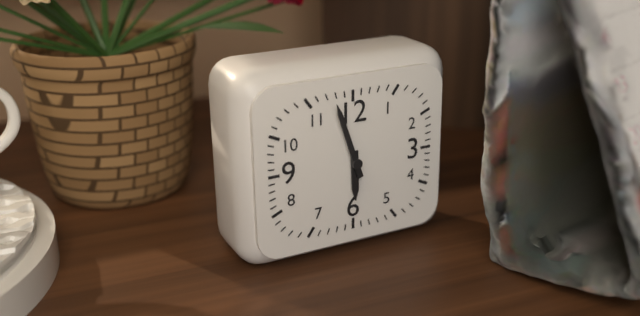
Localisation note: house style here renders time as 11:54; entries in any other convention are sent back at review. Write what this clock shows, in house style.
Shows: 5:57
